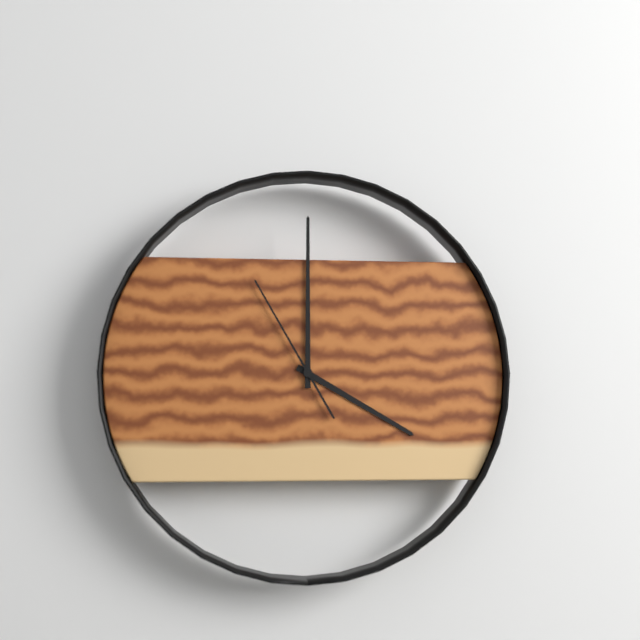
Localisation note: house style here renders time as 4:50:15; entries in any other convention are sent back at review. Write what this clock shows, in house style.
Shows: 4:00:55
